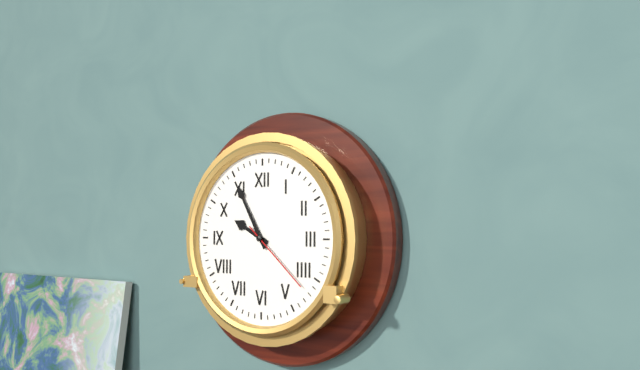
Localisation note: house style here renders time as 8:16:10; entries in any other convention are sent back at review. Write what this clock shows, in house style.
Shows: 9:55:22
